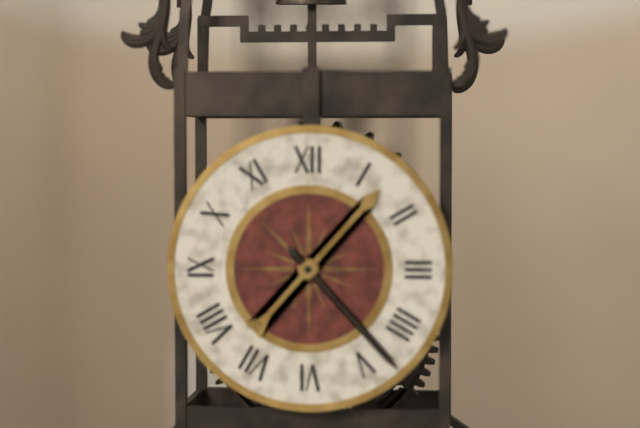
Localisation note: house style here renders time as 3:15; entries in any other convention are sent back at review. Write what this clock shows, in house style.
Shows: 1:23
